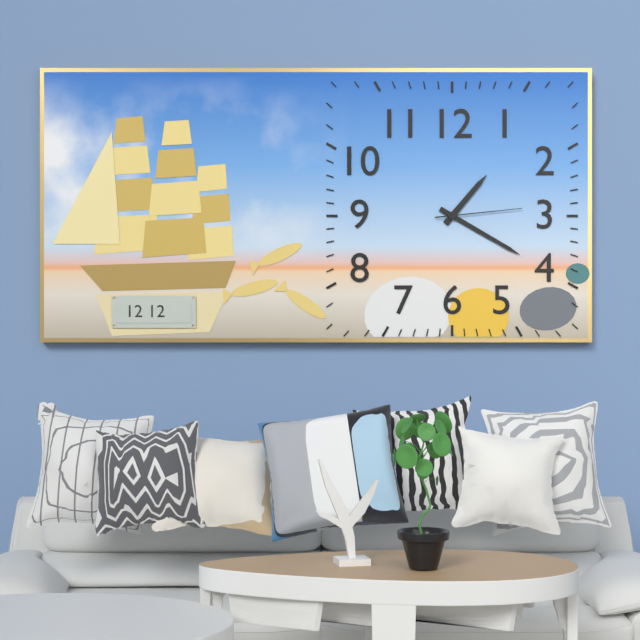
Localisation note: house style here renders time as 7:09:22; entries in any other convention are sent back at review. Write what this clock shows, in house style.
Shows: 1:20:14
